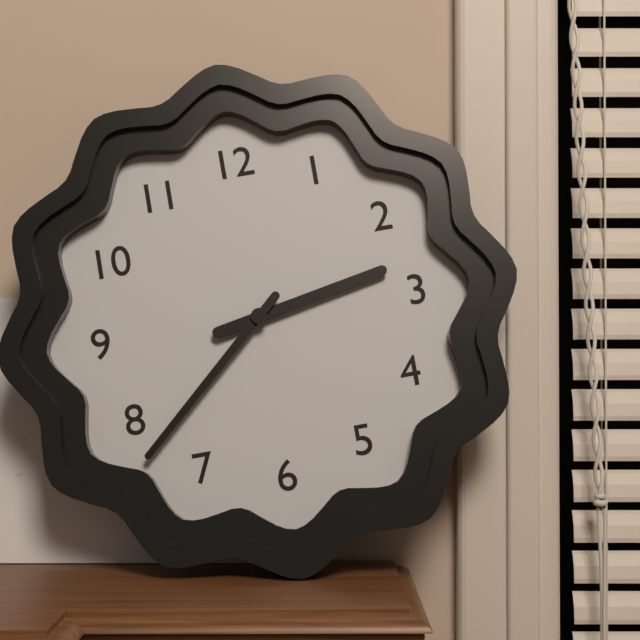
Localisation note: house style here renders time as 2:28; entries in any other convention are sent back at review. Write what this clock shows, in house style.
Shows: 2:38
